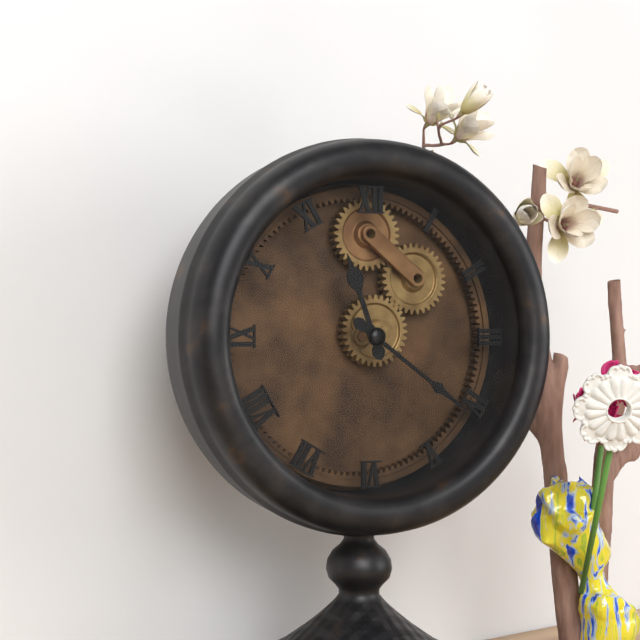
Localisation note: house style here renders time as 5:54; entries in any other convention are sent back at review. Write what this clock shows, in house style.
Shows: 11:21
